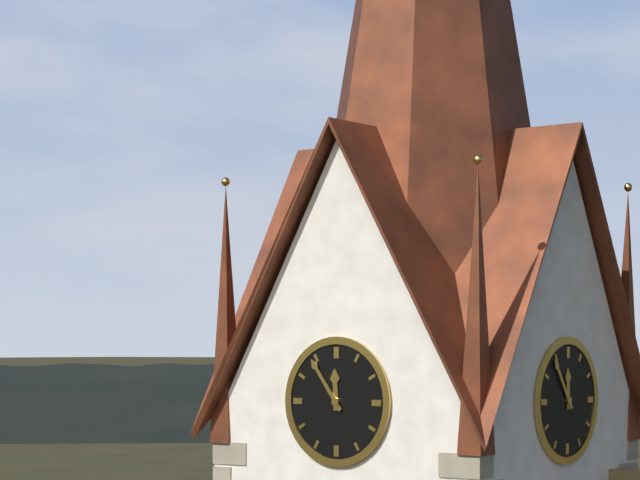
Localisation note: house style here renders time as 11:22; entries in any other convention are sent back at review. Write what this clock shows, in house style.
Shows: 11:54
